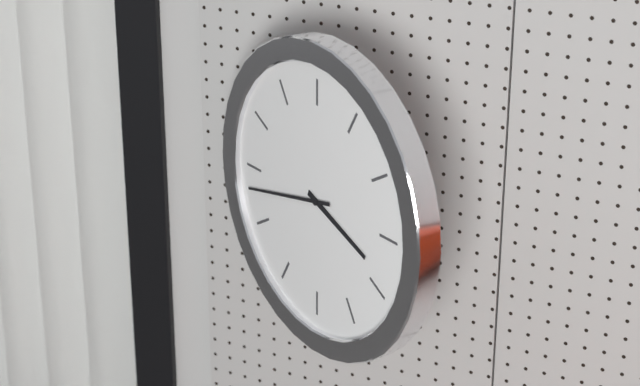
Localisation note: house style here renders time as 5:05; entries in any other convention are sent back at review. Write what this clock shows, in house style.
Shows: 3:43
